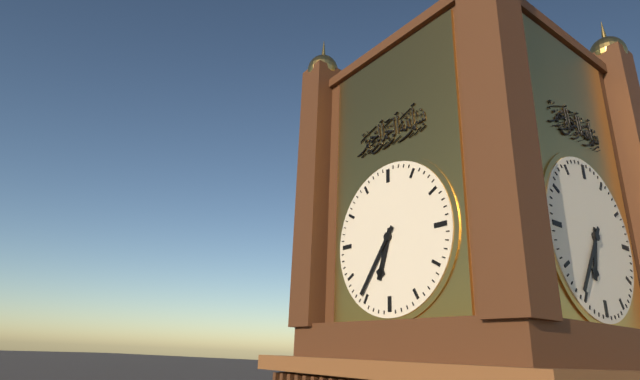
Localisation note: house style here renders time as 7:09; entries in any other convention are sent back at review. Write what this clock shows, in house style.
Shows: 6:36
